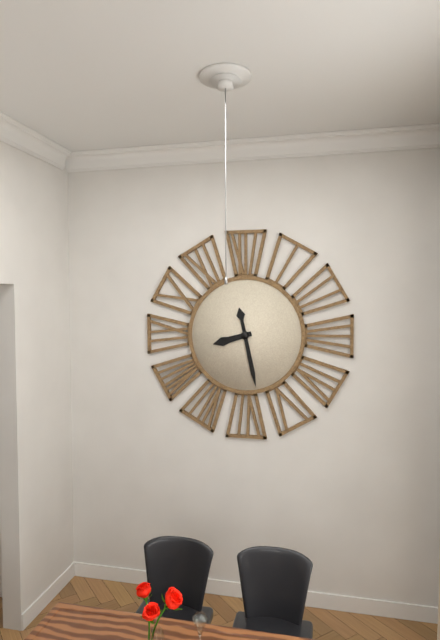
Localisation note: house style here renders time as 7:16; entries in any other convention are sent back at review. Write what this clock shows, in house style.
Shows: 8:28
